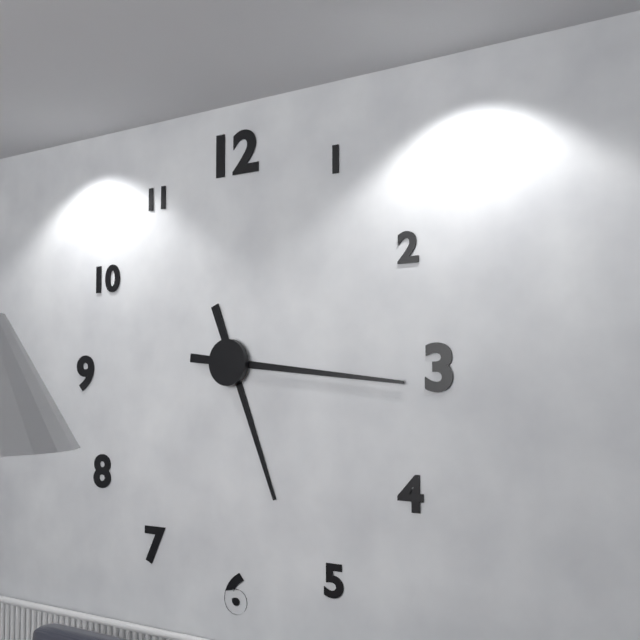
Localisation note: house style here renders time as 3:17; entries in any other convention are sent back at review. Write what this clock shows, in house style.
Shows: 5:16
